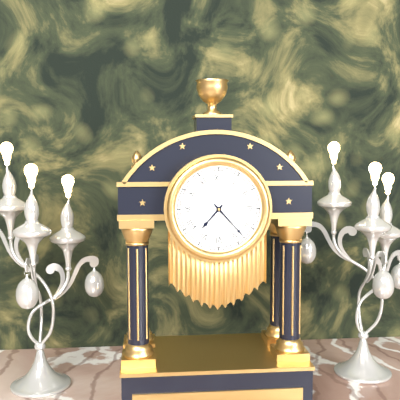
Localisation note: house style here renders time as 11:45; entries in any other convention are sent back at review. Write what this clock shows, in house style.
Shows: 7:23
